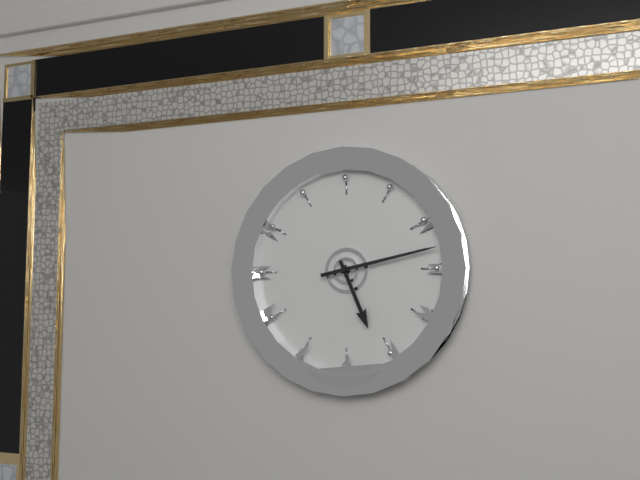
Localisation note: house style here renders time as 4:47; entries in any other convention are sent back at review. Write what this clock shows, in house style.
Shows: 5:13
